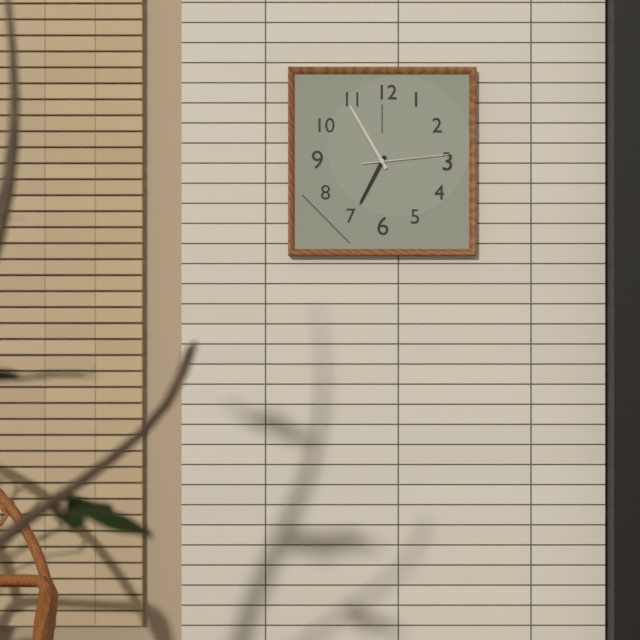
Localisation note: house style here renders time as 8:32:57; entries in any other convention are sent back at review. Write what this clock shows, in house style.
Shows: 6:55:14
